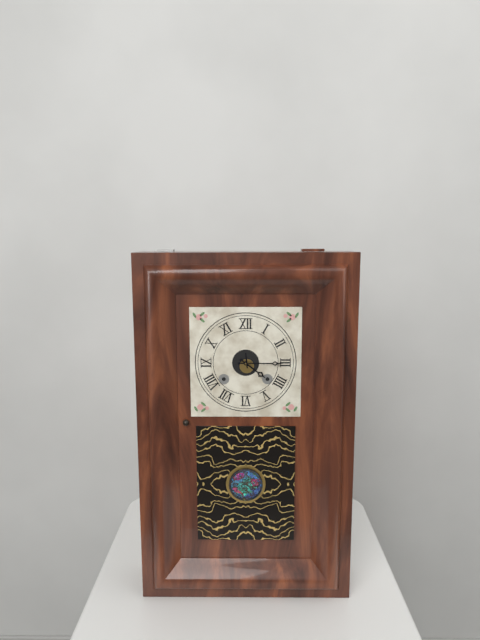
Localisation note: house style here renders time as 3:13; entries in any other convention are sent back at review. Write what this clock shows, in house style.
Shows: 4:15
